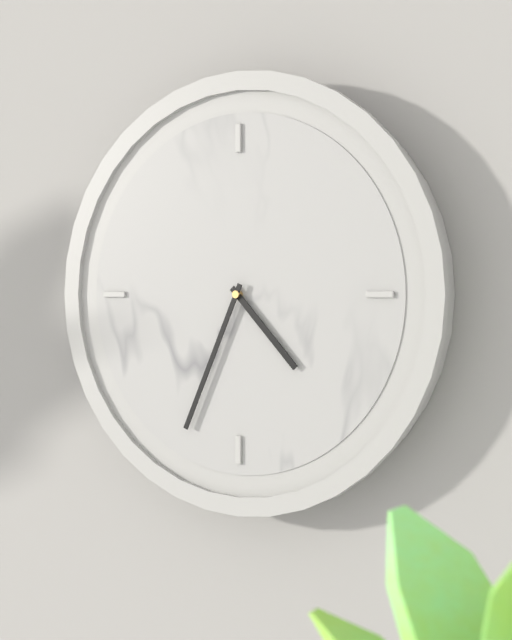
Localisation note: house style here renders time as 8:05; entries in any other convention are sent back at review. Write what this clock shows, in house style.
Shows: 4:34
